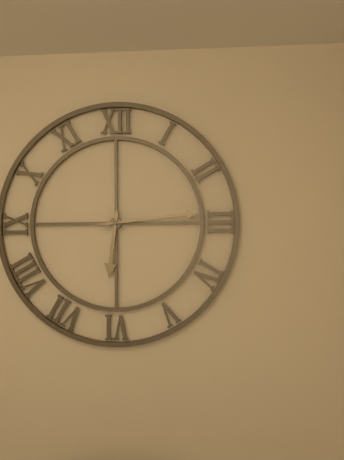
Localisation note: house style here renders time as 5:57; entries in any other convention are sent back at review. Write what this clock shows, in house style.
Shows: 6:14
